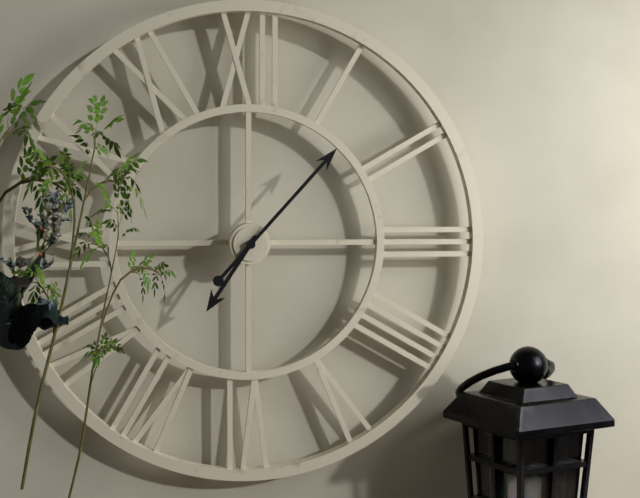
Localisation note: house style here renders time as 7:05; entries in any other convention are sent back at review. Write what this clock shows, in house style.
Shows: 7:07
